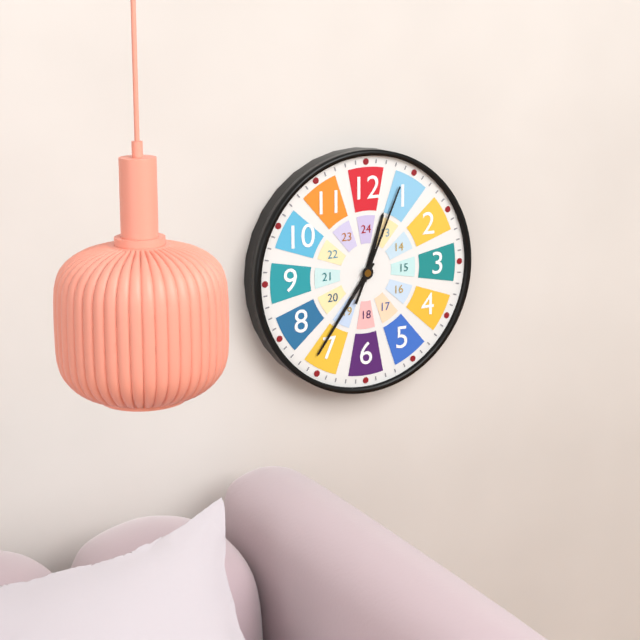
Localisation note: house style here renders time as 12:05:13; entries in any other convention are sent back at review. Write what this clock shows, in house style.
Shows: 12:36:04
